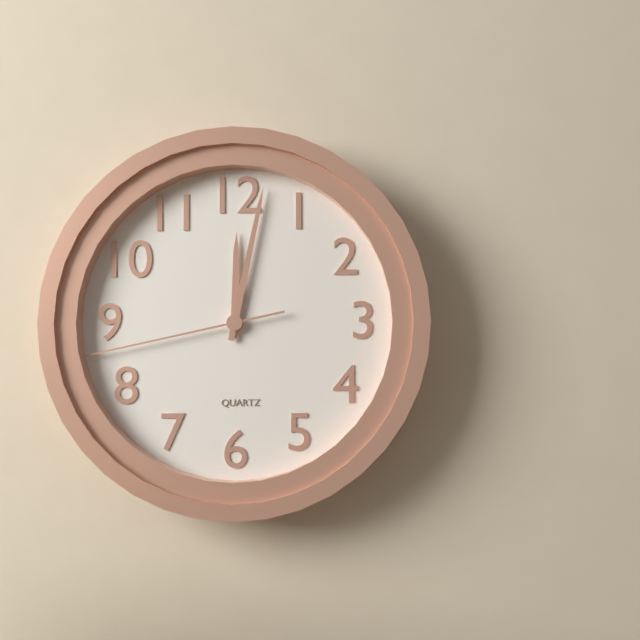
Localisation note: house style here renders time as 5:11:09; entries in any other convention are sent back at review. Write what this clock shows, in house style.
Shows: 12:02:43
